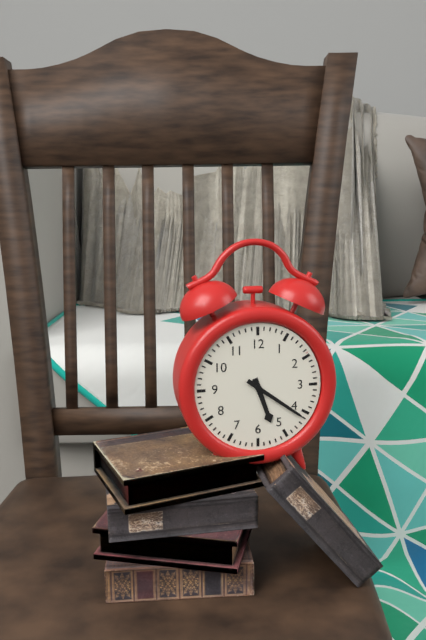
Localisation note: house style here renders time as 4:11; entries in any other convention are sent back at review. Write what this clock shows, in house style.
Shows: 5:21
